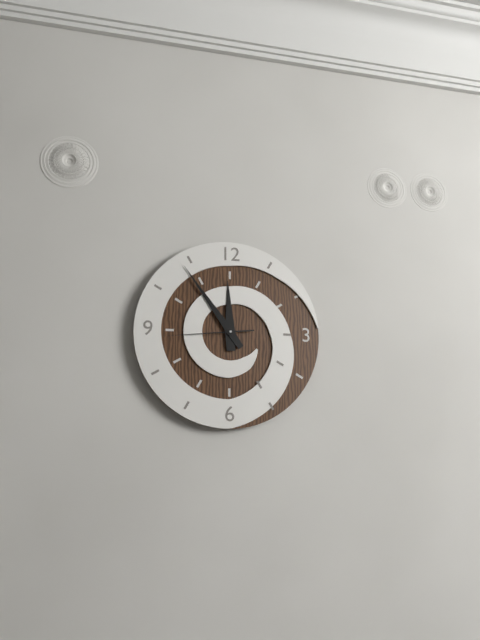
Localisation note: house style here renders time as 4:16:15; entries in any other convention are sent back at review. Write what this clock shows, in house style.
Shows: 11:54:44
